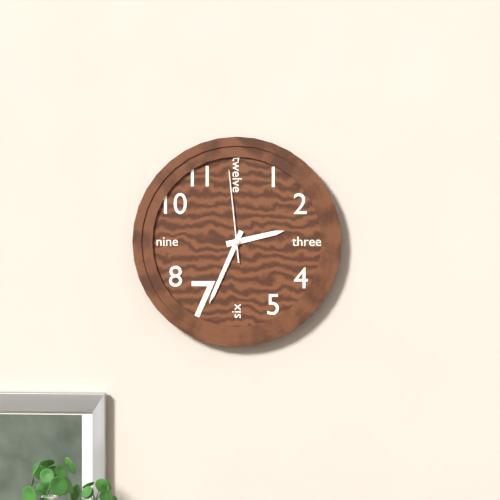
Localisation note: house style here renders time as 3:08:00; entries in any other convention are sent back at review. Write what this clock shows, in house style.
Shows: 2:34:59
